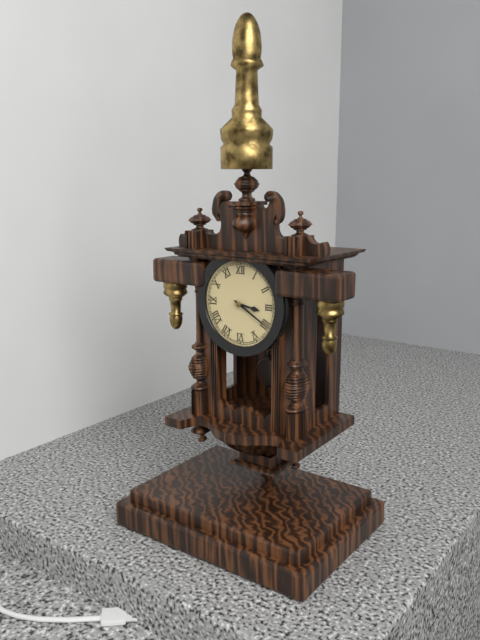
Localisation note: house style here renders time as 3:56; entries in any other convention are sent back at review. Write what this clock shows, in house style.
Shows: 3:20
